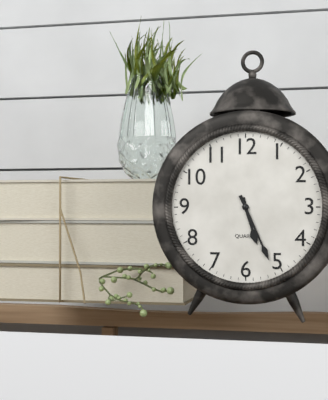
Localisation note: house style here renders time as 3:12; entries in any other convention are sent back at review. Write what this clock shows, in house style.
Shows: 5:26
